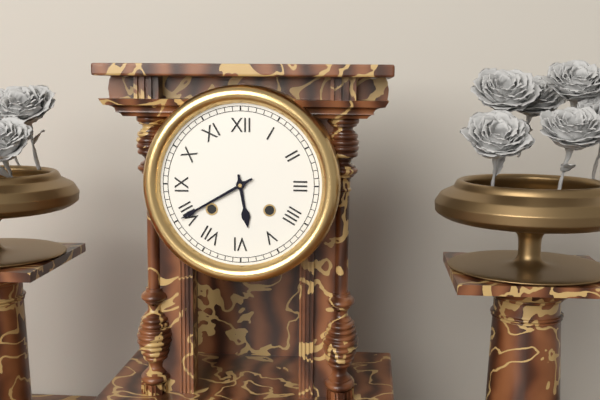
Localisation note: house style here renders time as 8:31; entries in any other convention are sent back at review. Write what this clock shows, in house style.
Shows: 5:40
